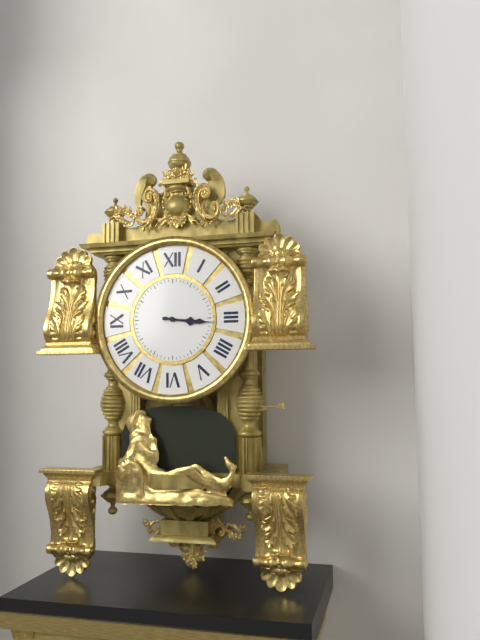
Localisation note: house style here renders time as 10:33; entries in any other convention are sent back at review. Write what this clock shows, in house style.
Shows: 3:16
